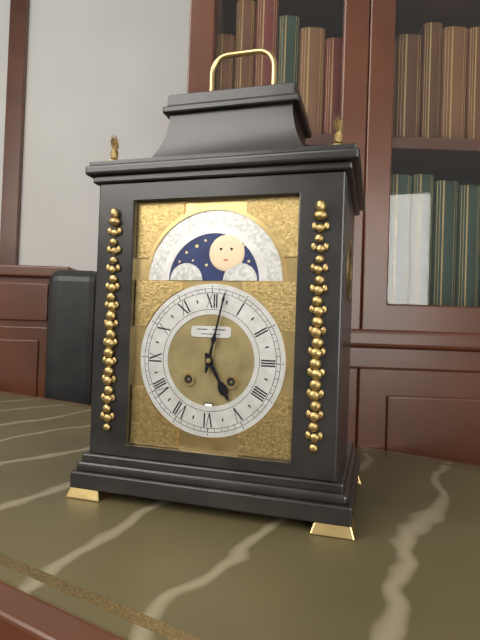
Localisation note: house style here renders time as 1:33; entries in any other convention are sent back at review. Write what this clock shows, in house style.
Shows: 5:02
